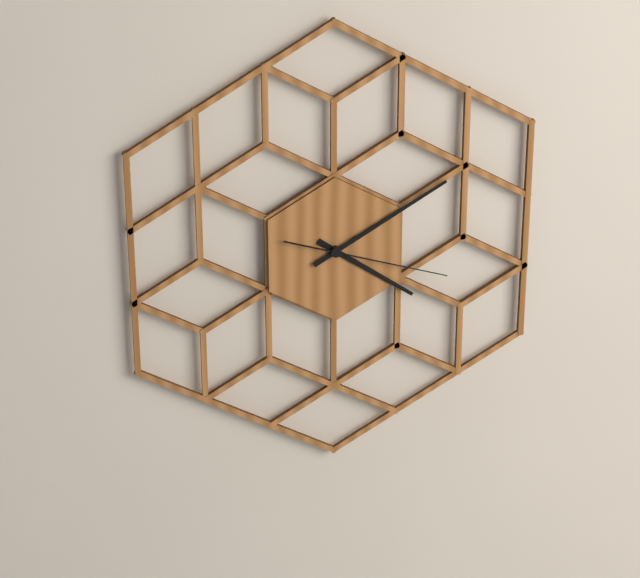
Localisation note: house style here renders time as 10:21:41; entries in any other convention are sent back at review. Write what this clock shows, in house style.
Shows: 4:10:18
